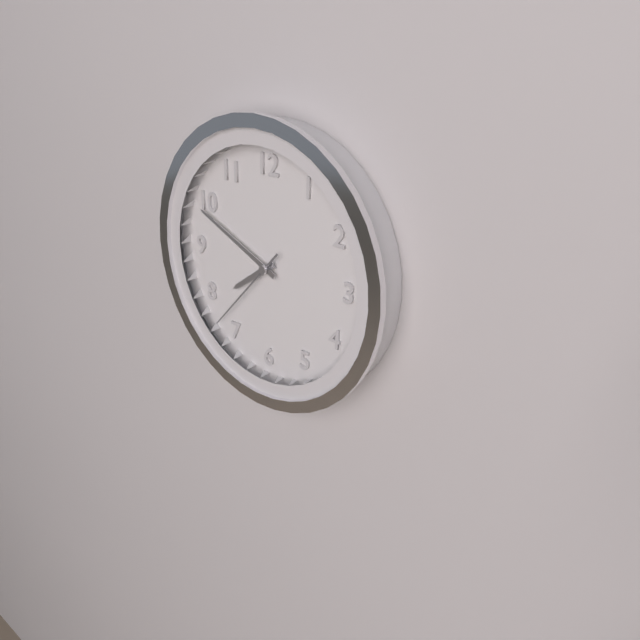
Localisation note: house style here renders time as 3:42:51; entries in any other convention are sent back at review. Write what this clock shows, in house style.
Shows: 7:49:37
